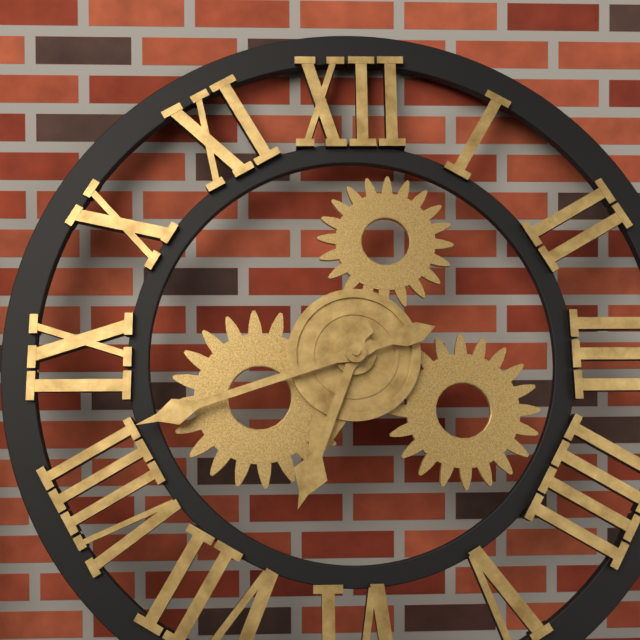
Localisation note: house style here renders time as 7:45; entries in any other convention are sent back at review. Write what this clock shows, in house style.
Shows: 6:42
